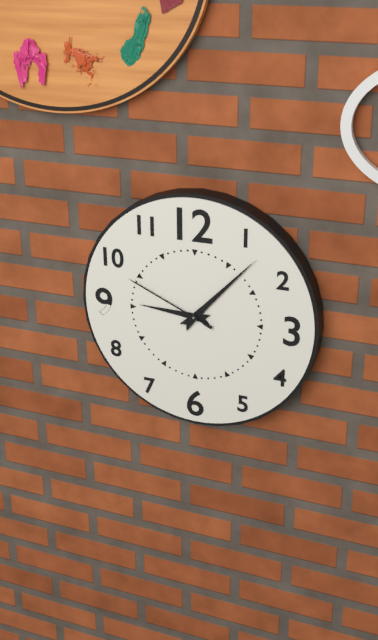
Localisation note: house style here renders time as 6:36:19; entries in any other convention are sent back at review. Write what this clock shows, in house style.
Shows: 9:07:49
